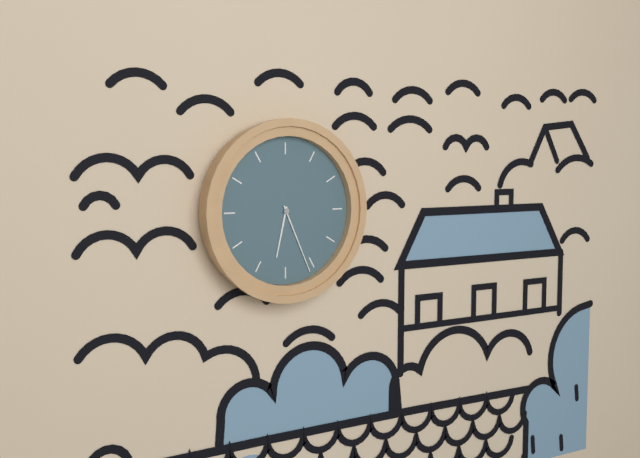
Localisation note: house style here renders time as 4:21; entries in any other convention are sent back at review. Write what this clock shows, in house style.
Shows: 6:26
